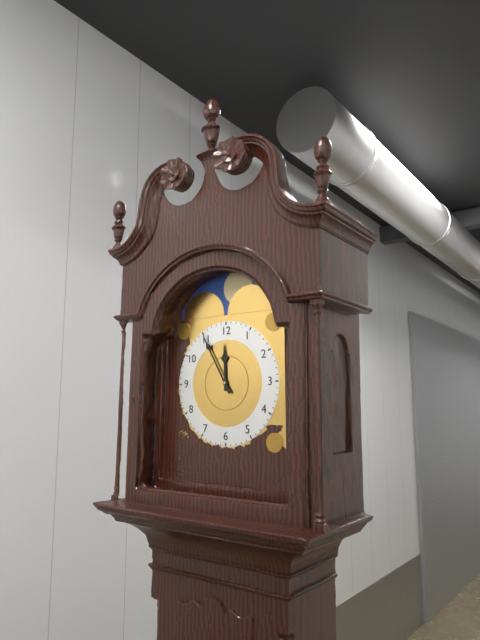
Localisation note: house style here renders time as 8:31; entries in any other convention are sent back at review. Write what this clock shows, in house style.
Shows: 11:55
